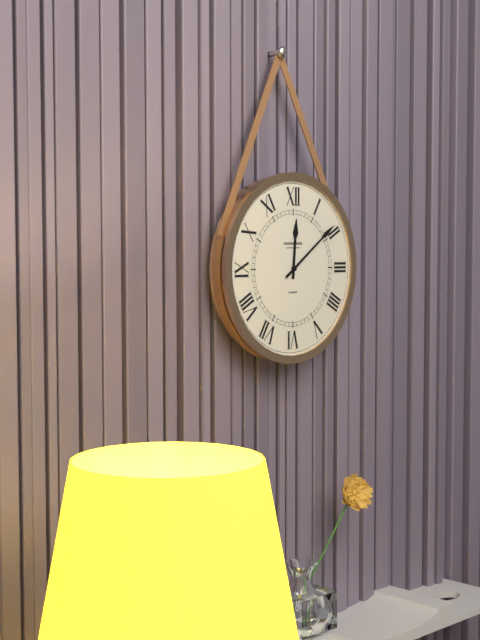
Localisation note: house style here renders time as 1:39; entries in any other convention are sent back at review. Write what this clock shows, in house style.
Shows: 12:09
